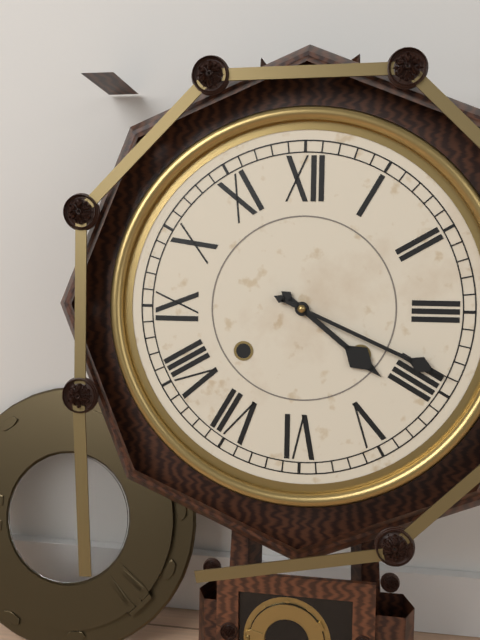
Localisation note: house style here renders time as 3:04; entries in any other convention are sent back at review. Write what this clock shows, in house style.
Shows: 4:19
